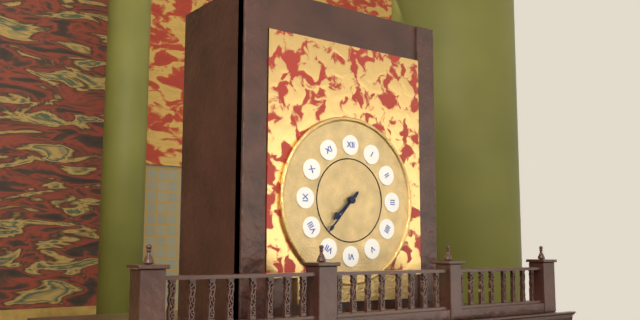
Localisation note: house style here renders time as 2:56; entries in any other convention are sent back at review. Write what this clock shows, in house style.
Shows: 7:37
